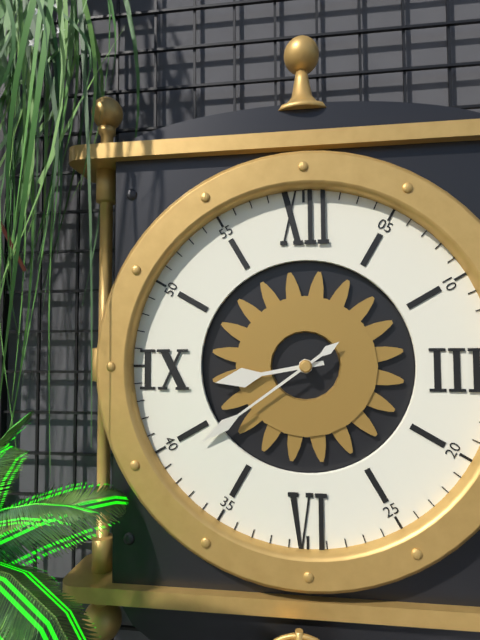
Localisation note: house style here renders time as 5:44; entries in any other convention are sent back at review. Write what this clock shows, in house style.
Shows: 8:39
